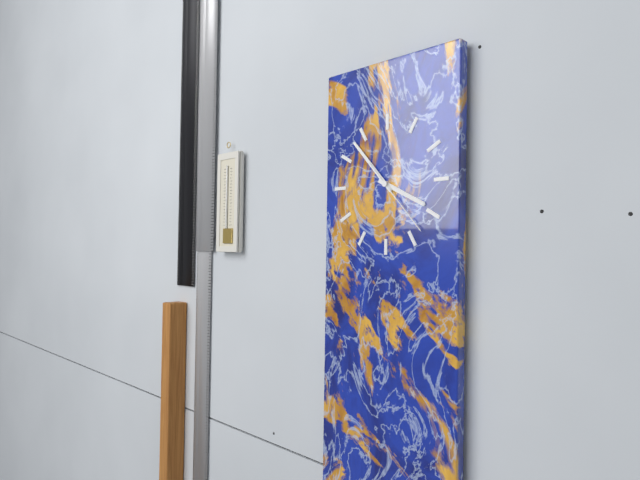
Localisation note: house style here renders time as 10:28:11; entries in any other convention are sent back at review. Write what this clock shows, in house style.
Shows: 3:53:23
